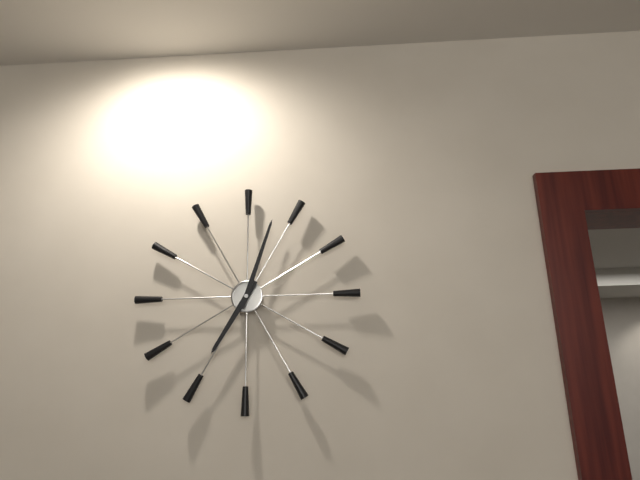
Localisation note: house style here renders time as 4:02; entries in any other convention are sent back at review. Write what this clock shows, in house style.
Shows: 7:03
